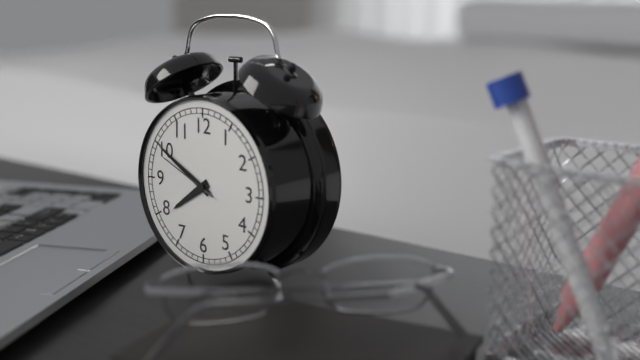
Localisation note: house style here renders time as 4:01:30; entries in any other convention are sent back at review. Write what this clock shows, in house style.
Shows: 7:50:49
